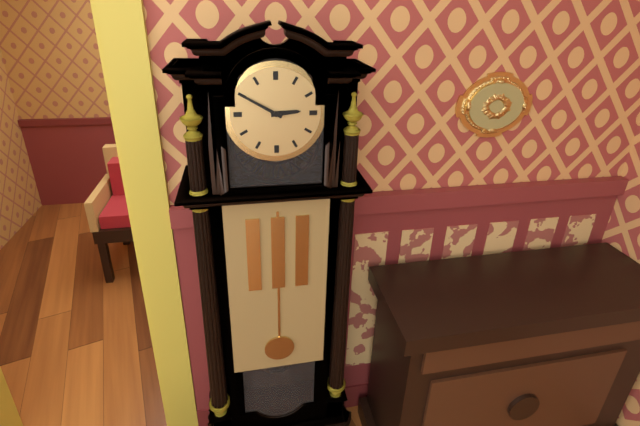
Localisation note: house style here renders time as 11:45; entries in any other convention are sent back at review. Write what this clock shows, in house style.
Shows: 2:50
